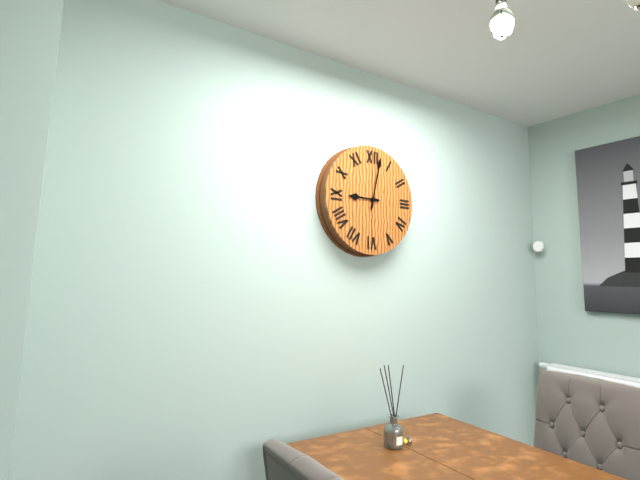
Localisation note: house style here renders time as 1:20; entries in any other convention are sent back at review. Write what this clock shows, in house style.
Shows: 9:02
